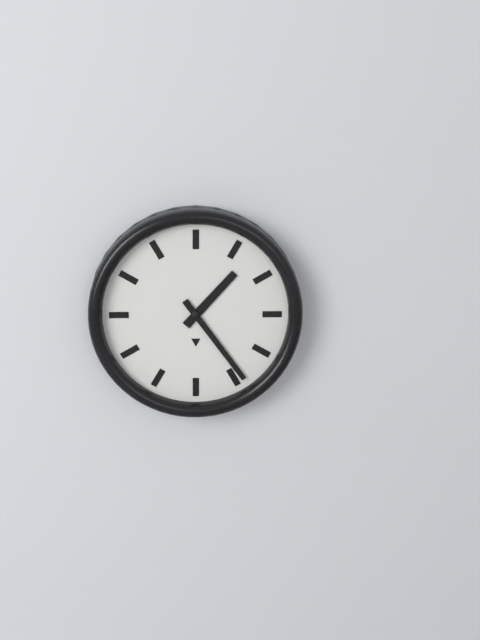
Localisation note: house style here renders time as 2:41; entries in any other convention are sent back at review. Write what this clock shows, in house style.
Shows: 1:24
